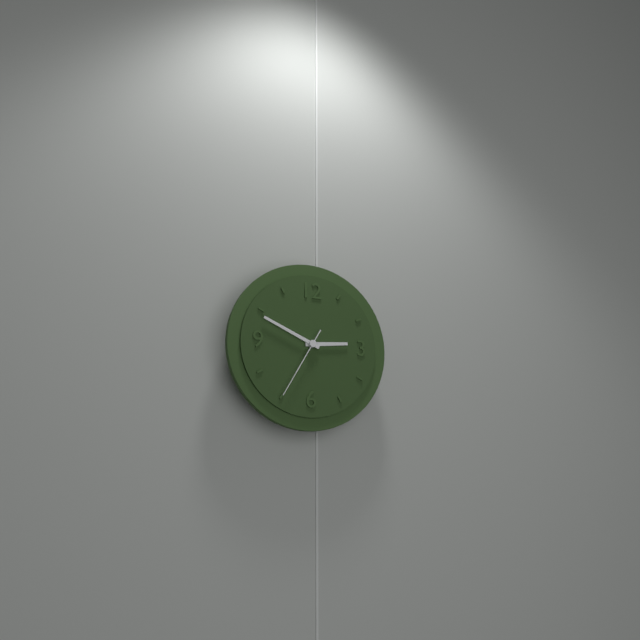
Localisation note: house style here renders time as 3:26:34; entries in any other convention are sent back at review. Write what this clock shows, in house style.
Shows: 2:49:35
